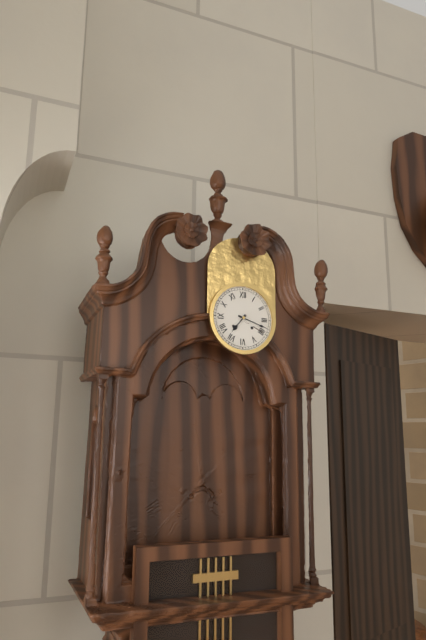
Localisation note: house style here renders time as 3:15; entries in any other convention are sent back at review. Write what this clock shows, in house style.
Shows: 7:18
